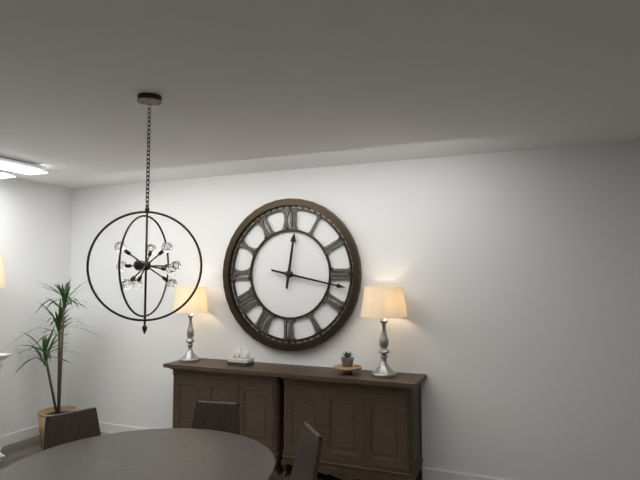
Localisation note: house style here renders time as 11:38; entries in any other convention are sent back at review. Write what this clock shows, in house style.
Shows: 12:17
